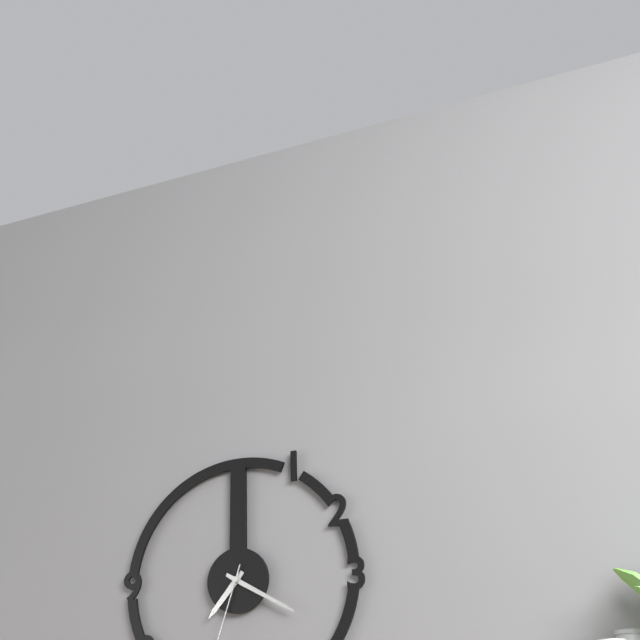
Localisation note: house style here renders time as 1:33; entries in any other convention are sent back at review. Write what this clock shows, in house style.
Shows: 7:20
